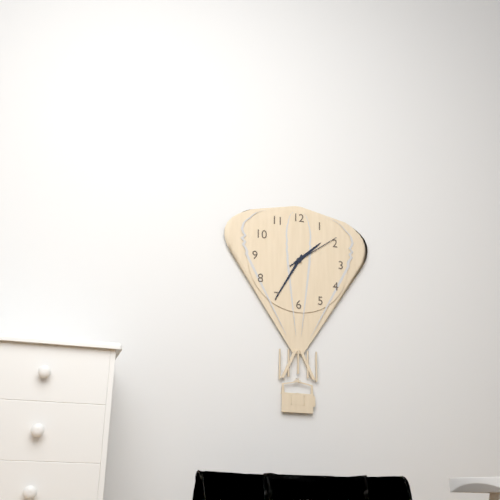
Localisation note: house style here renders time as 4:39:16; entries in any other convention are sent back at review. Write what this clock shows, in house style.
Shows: 1:35:09
